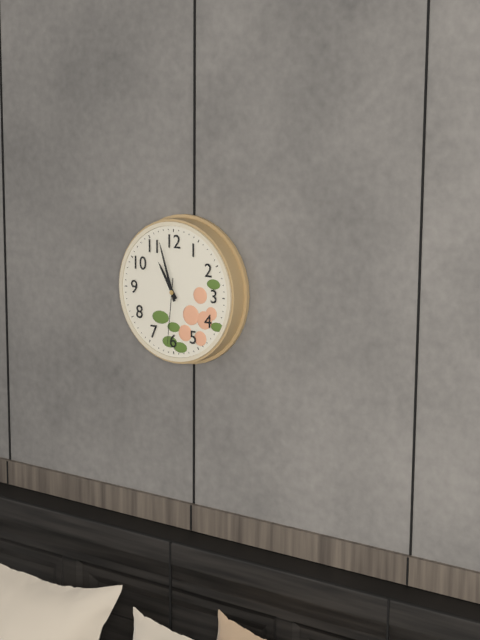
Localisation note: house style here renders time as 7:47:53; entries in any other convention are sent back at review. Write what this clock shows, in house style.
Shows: 10:57:31
